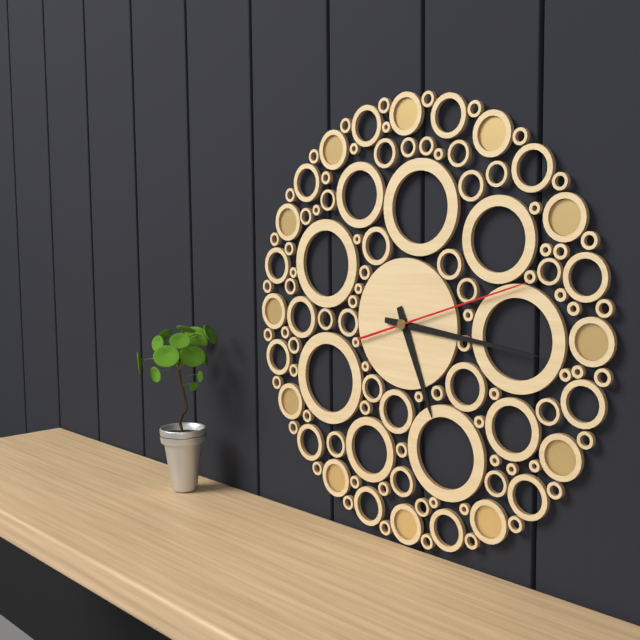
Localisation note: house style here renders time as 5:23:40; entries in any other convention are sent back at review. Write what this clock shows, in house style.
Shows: 5:16:12
